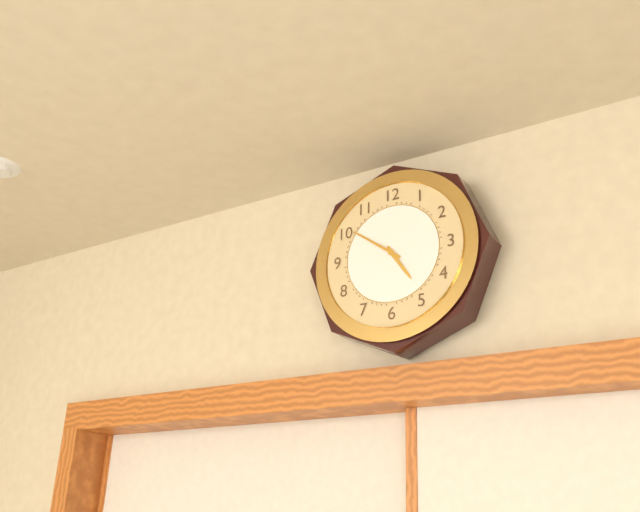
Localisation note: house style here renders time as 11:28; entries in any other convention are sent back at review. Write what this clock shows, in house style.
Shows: 4:51
